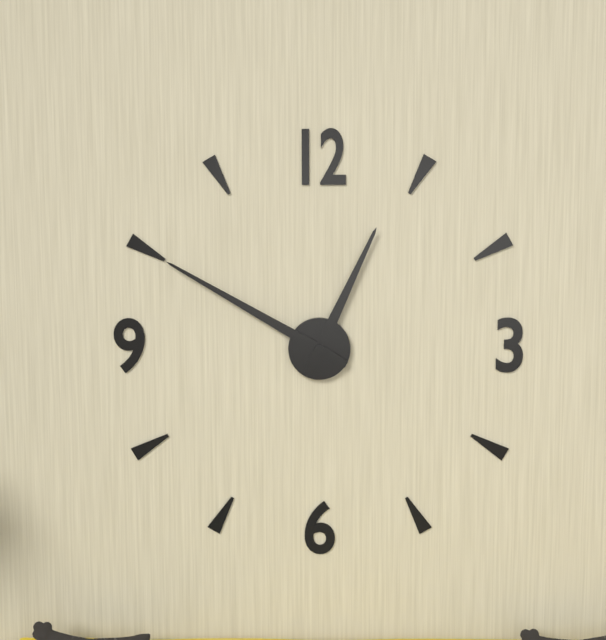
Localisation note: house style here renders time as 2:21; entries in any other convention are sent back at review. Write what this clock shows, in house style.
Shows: 12:50
